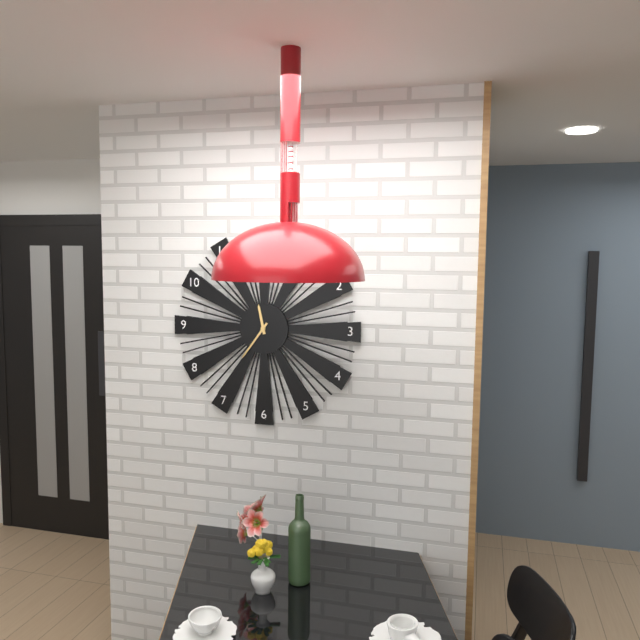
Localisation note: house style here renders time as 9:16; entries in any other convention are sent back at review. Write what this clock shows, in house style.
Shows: 11:36
